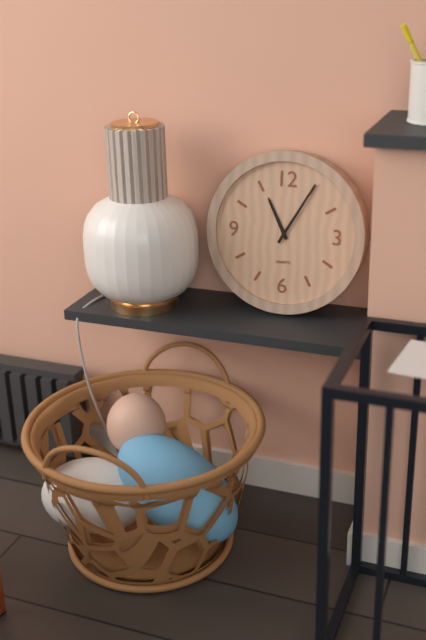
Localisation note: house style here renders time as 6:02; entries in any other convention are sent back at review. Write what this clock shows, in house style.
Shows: 11:05
